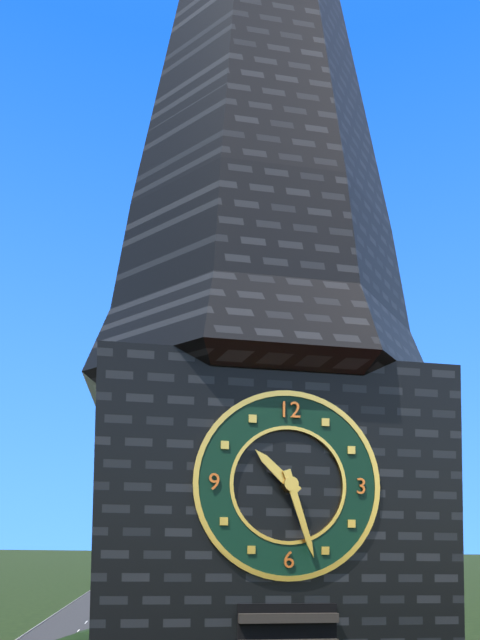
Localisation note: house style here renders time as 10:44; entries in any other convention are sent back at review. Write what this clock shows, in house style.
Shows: 10:27
